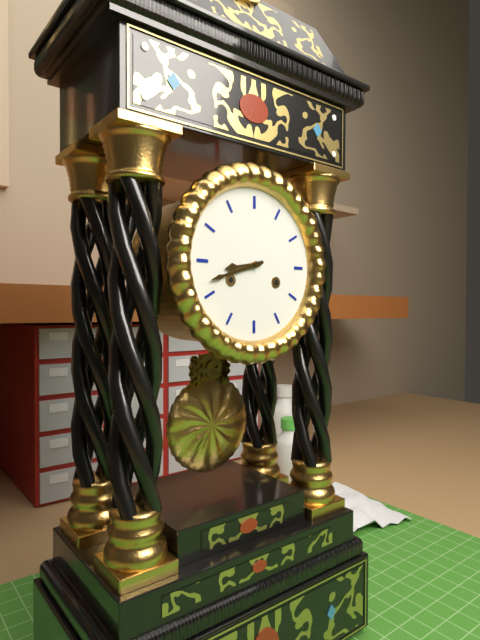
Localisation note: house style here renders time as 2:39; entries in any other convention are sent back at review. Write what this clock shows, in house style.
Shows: 8:42
